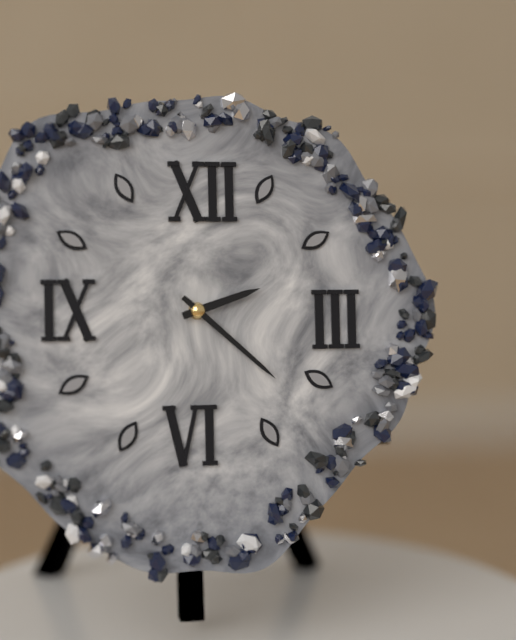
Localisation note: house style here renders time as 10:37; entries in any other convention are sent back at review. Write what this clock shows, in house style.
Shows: 2:22
